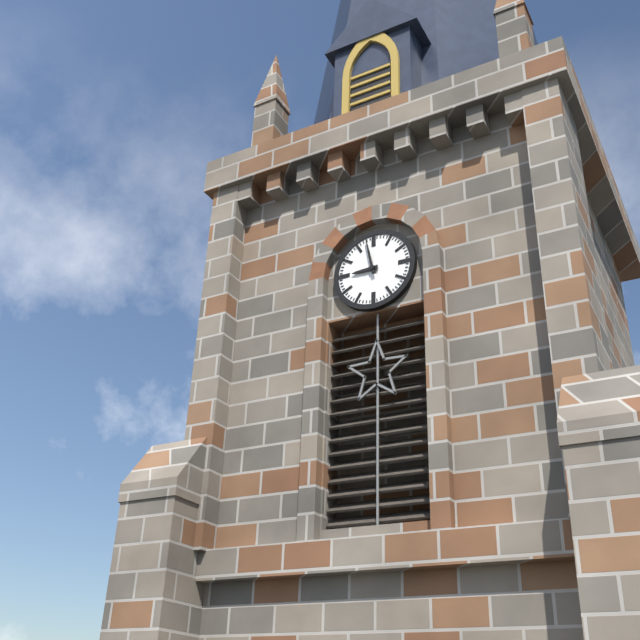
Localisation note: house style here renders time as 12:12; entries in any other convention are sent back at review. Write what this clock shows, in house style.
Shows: 8:58
